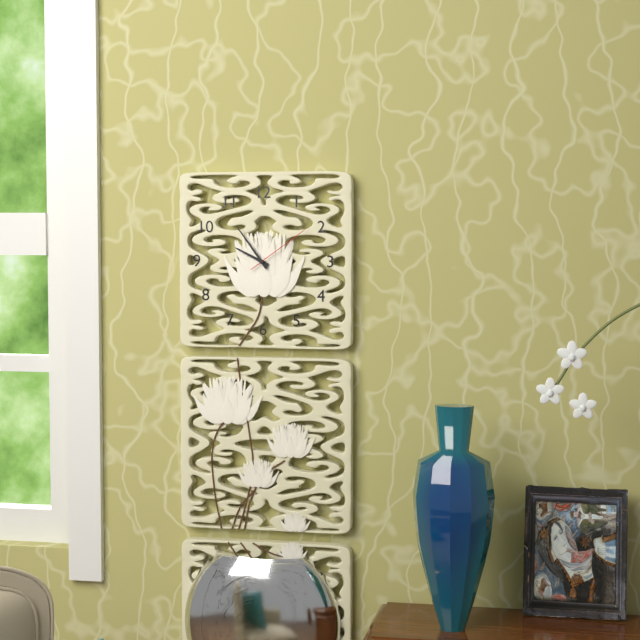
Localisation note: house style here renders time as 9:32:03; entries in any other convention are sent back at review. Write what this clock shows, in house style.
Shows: 9:54:09
